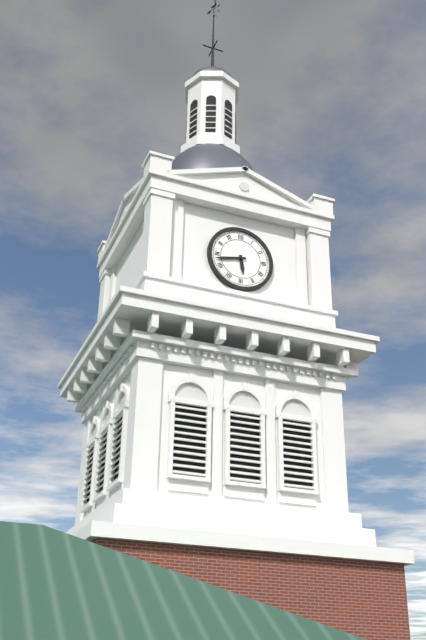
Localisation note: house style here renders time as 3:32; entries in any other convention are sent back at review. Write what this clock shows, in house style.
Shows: 5:43
